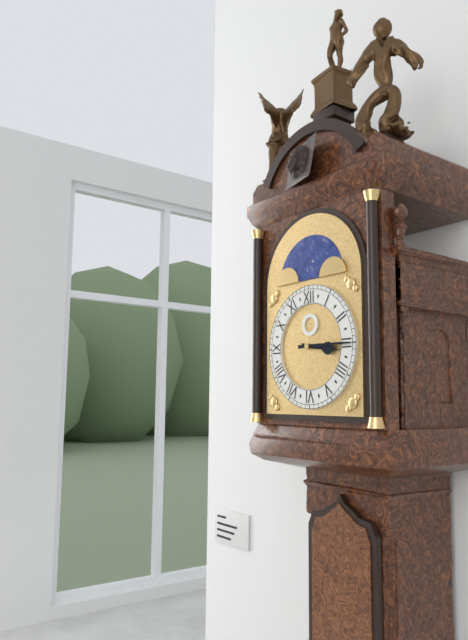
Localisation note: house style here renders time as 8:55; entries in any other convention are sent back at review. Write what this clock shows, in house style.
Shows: 3:15
